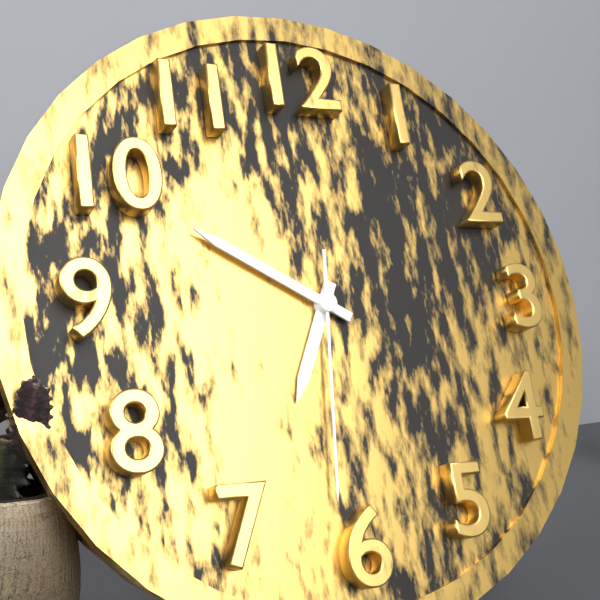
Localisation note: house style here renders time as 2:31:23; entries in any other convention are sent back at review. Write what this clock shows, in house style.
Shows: 6:50:31
